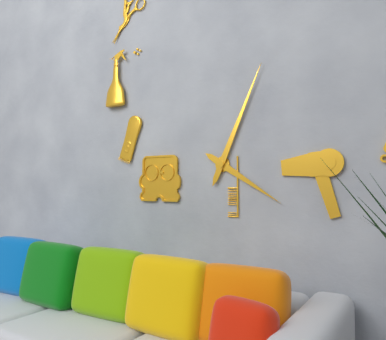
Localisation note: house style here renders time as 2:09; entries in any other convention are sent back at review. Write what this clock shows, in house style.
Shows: 4:04
